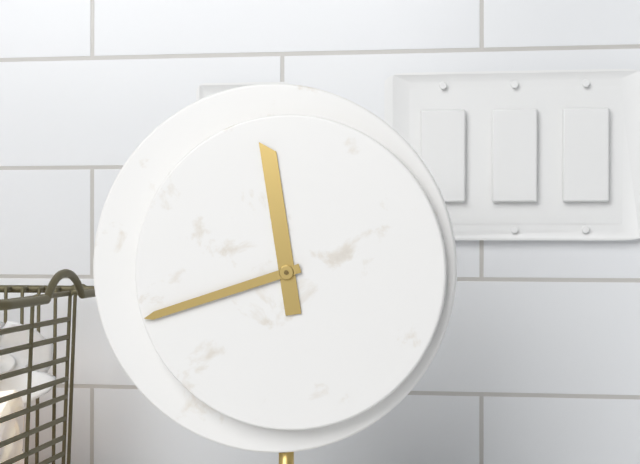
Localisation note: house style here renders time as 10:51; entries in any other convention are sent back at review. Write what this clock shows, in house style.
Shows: 11:42
